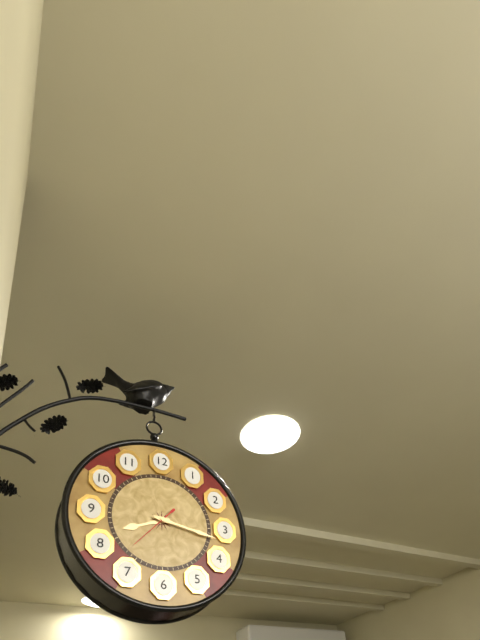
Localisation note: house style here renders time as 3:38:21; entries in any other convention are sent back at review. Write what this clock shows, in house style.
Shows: 8:17:37
